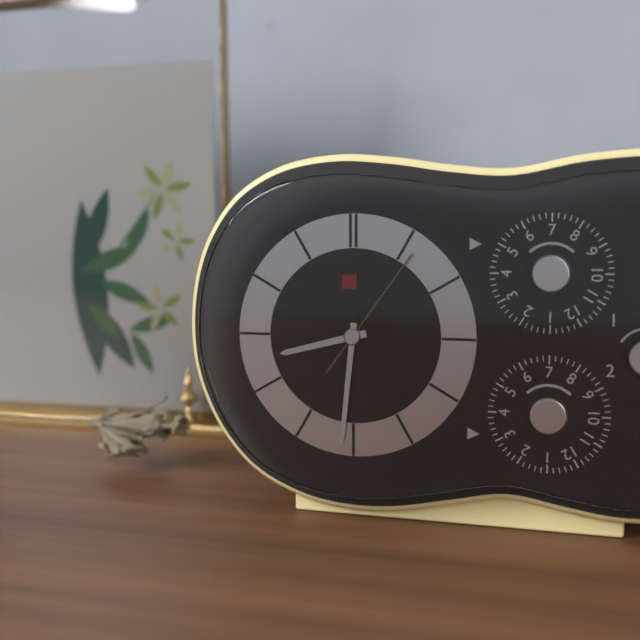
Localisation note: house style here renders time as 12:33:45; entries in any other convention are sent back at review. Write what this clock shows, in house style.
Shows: 8:31:06
